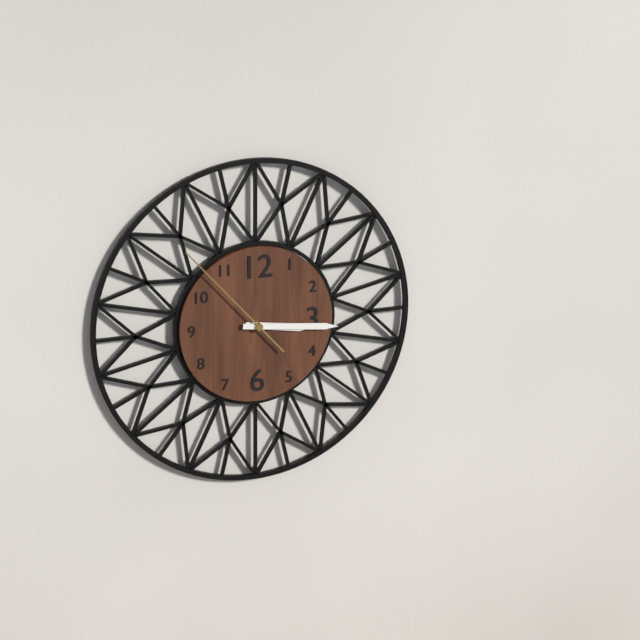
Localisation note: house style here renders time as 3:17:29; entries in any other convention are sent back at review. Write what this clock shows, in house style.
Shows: 3:16:53
